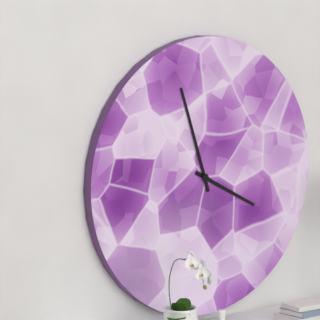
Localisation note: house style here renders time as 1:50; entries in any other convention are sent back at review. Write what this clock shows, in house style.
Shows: 3:57
